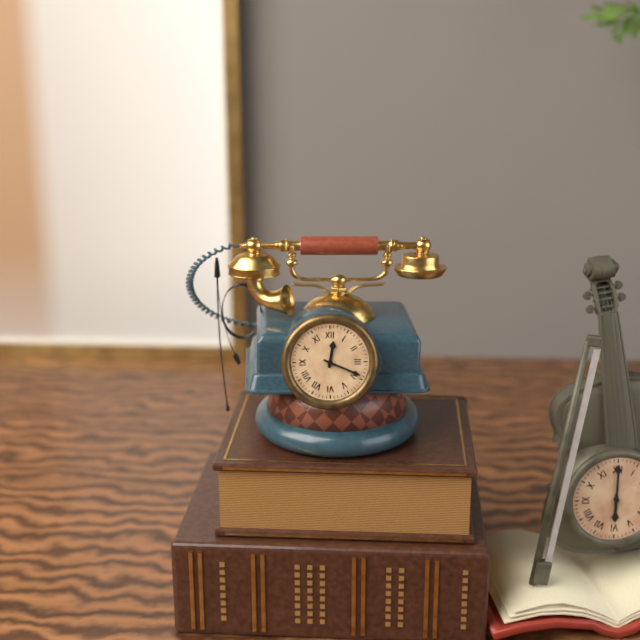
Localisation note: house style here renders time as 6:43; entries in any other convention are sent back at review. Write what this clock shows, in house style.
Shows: 12:19
